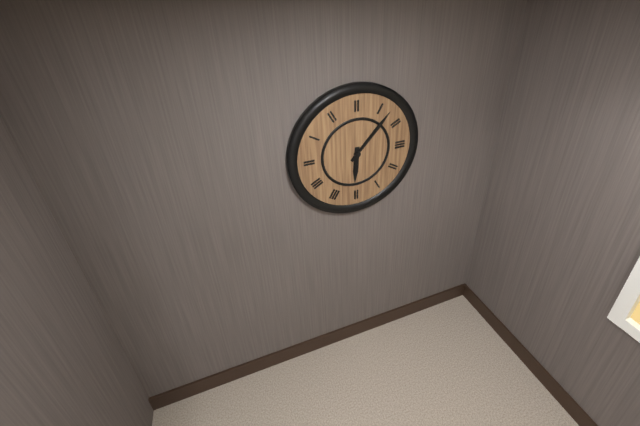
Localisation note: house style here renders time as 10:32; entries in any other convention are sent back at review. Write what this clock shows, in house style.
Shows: 6:07
